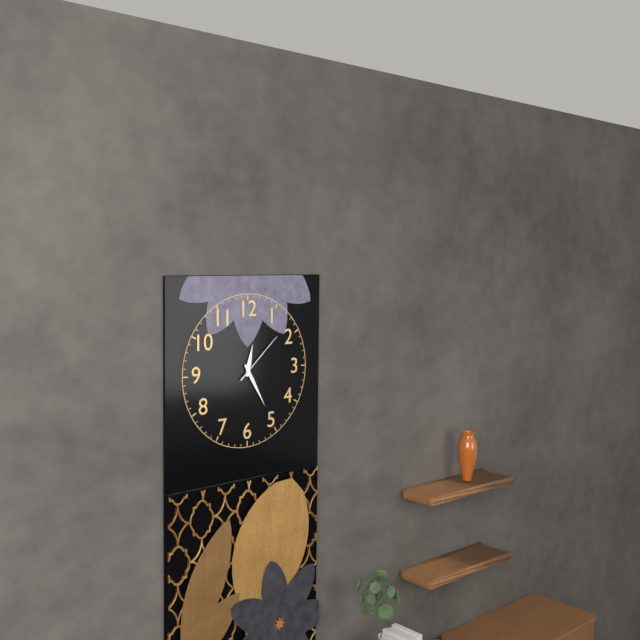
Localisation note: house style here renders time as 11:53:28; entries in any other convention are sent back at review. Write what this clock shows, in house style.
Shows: 12:25:08
